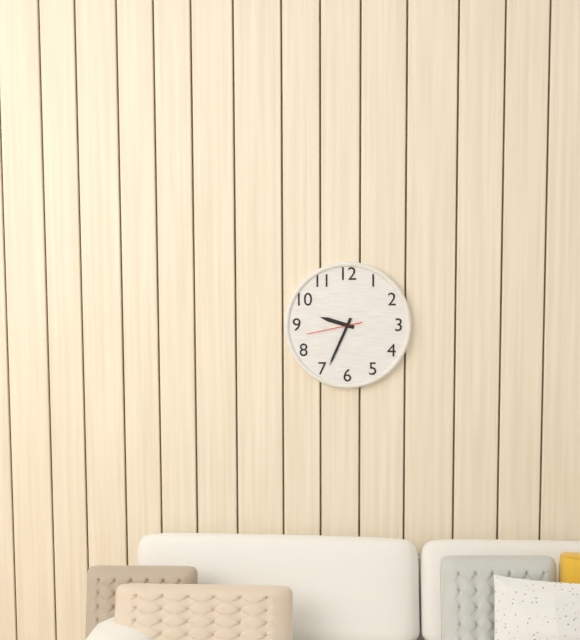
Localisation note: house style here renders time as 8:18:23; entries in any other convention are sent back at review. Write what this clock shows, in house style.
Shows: 9:34:43
